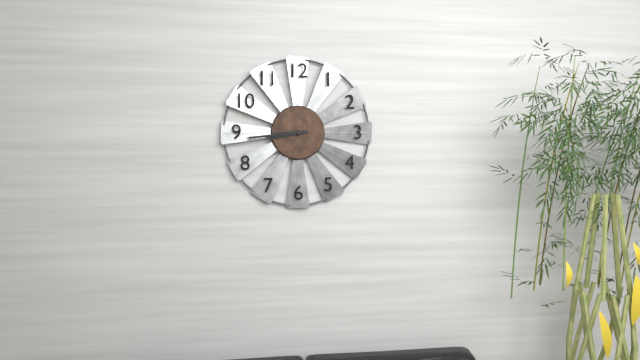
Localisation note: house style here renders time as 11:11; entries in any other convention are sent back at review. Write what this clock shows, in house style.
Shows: 8:44
